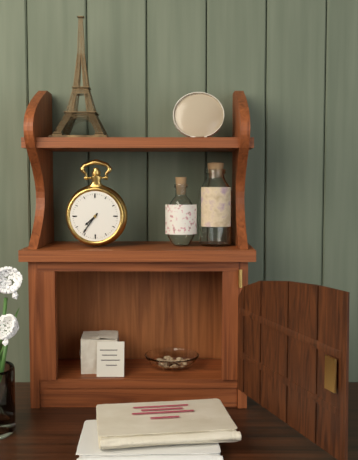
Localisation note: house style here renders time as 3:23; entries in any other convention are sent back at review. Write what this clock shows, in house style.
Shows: 7:36
